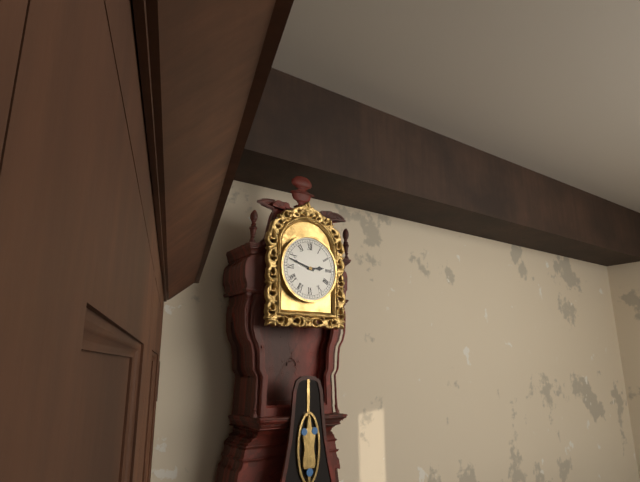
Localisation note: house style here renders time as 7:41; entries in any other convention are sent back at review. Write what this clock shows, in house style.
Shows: 2:48
